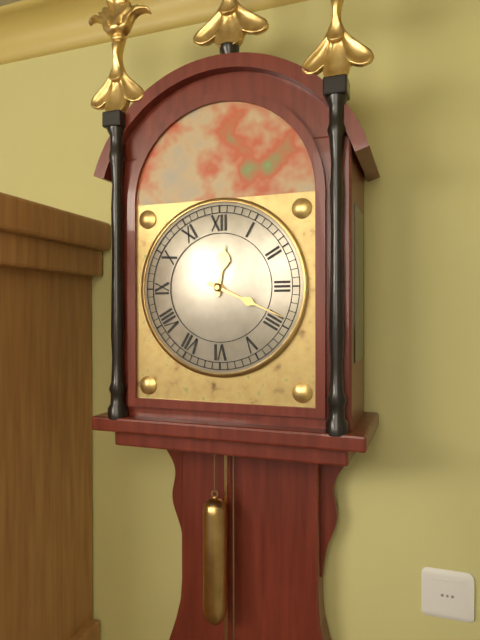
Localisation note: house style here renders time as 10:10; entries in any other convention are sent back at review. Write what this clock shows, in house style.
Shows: 12:19
